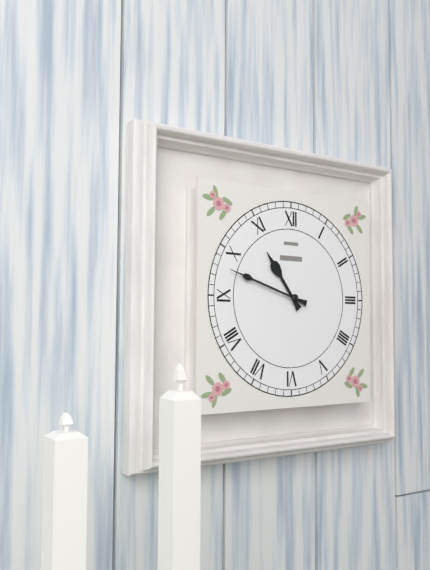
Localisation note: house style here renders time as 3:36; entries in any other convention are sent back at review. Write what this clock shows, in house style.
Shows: 10:48
